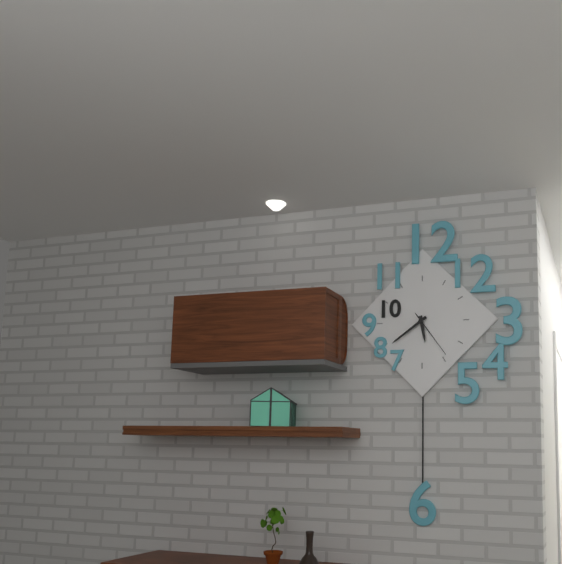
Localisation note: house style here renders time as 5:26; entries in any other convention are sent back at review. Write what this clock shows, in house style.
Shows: 5:39
